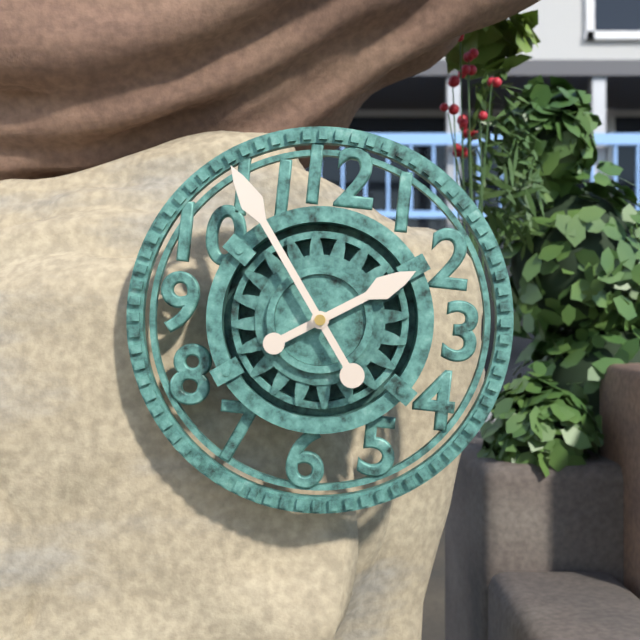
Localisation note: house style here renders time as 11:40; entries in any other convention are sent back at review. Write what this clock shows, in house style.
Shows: 1:54
